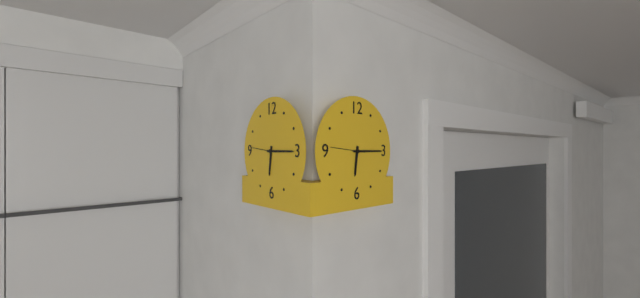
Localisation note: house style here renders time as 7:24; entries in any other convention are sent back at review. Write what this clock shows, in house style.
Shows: 6:15
